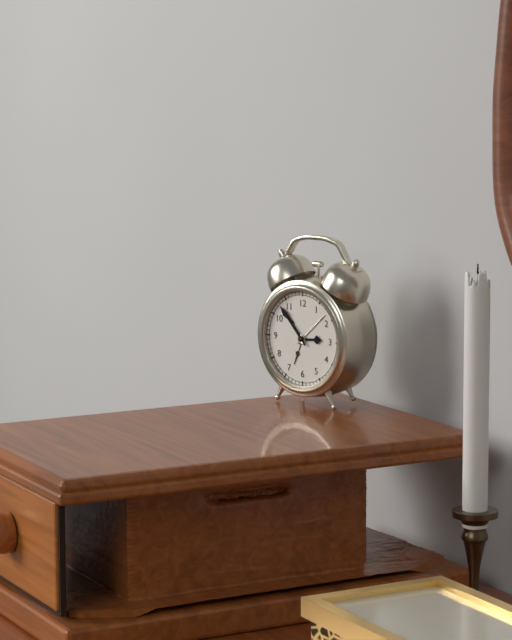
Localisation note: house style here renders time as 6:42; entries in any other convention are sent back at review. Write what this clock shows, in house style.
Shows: 2:53
